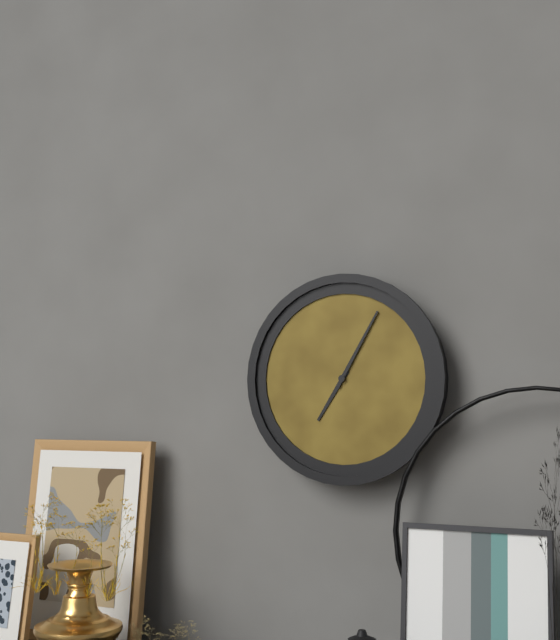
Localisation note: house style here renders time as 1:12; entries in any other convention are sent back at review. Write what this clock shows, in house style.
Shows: 7:05
